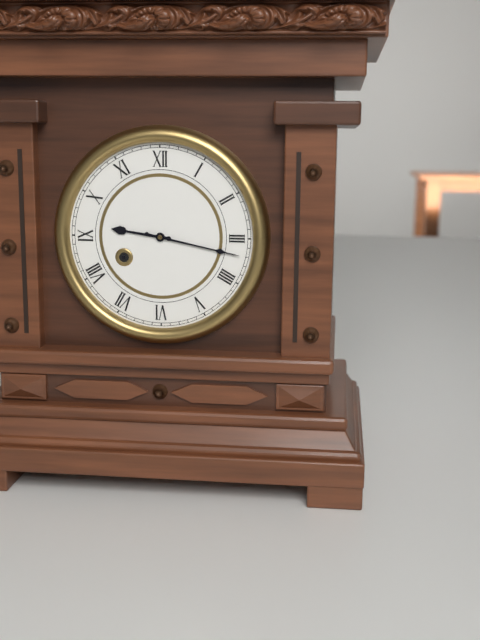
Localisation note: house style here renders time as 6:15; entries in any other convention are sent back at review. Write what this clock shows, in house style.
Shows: 9:17
